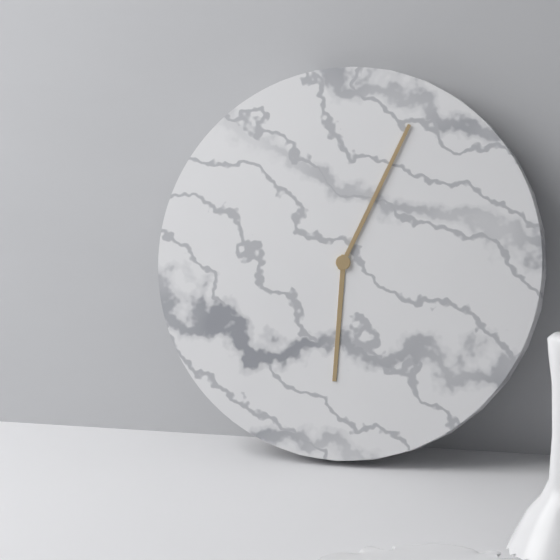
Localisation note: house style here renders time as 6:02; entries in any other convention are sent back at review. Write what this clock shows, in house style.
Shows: 6:04
